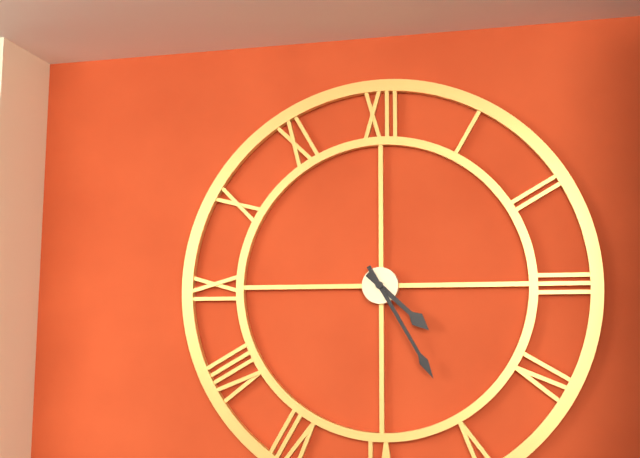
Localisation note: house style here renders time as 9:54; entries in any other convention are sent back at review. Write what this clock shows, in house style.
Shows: 4:25
